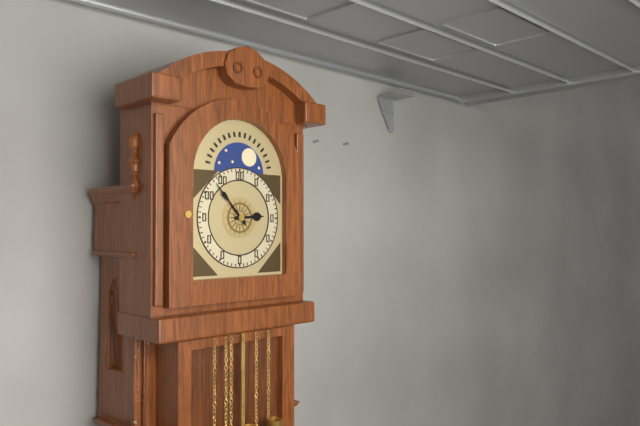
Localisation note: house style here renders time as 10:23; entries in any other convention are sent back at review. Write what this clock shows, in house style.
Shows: 2:53
